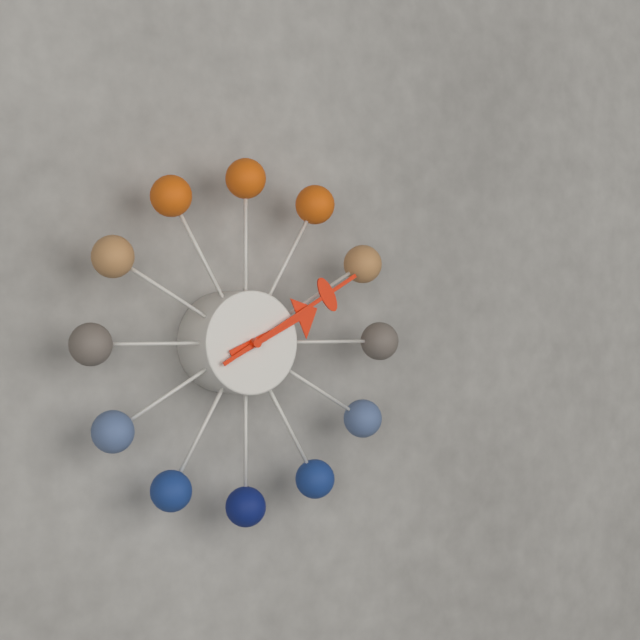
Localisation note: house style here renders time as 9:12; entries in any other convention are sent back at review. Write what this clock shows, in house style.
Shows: 2:10
